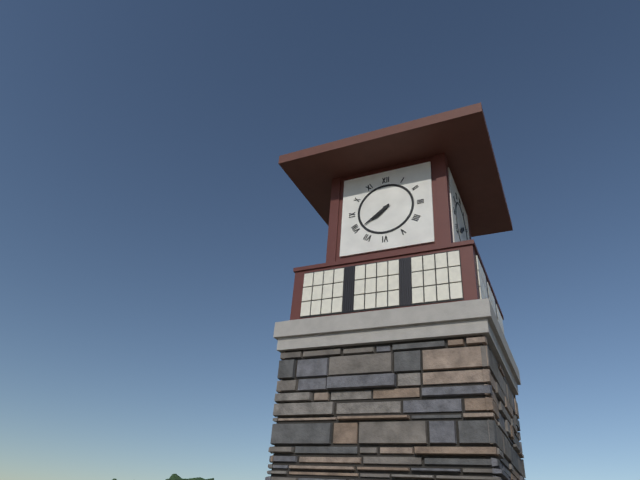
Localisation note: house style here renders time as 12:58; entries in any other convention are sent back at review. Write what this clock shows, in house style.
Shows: 7:39
